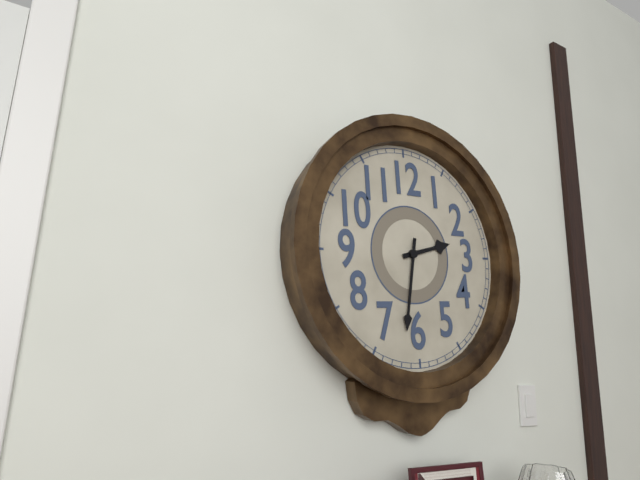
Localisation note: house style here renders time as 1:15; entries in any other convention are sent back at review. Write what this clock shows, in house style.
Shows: 2:32
